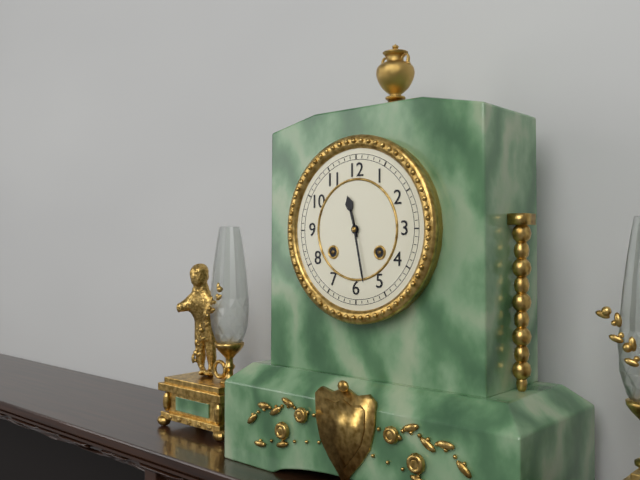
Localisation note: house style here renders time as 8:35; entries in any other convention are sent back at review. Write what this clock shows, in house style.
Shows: 11:28
